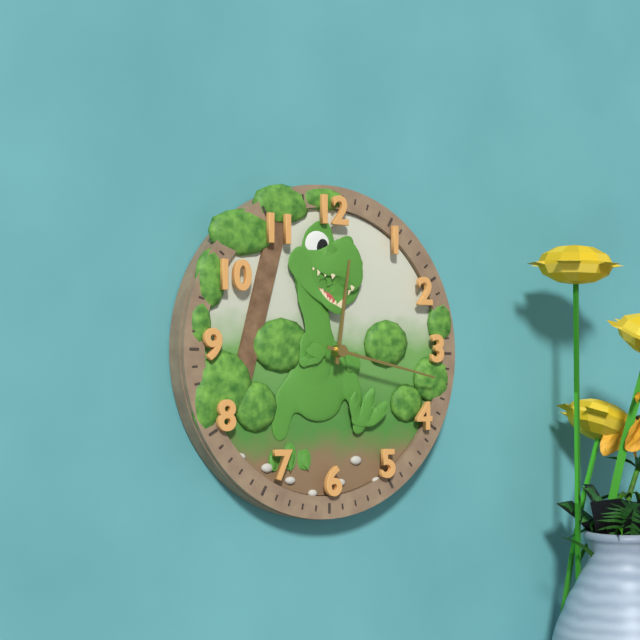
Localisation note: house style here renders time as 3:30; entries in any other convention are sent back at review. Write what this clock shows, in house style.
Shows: 12:17
